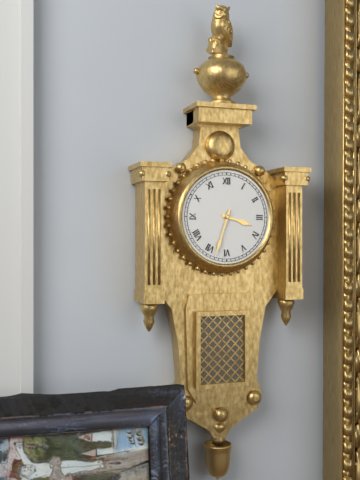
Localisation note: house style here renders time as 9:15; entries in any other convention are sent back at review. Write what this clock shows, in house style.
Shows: 3:33
